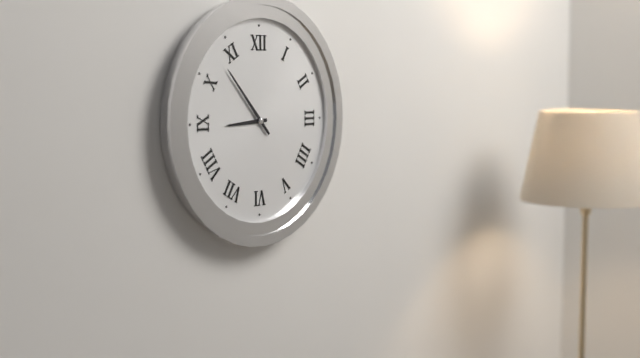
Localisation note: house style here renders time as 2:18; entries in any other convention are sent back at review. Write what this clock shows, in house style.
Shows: 8:53
